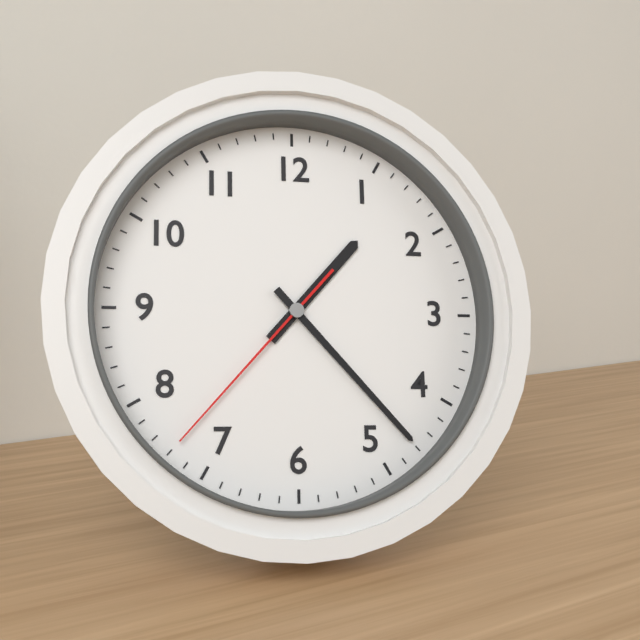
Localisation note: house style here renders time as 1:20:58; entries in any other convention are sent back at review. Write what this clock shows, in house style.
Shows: 1:23:37
